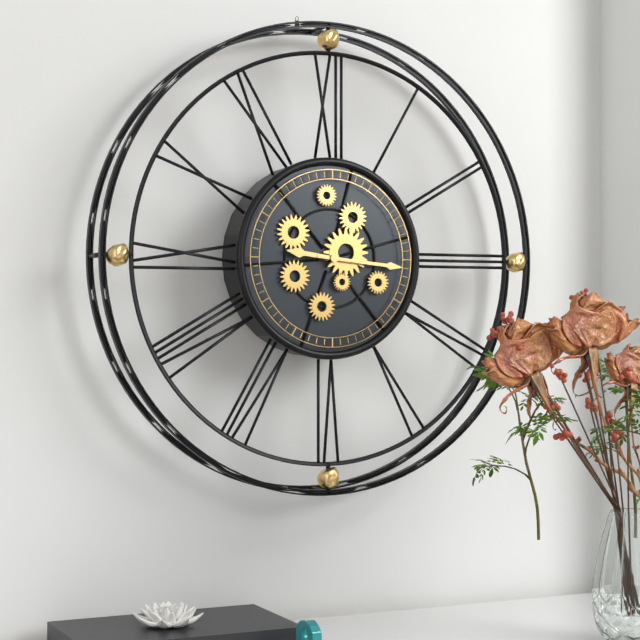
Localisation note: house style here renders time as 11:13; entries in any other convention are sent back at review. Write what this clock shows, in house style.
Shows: 9:16
